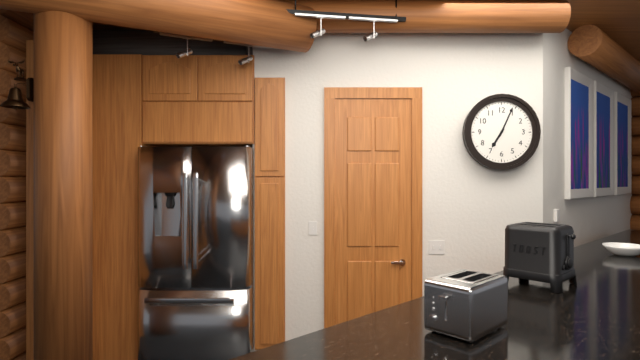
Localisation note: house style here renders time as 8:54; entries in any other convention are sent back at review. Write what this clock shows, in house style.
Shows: 7:04
